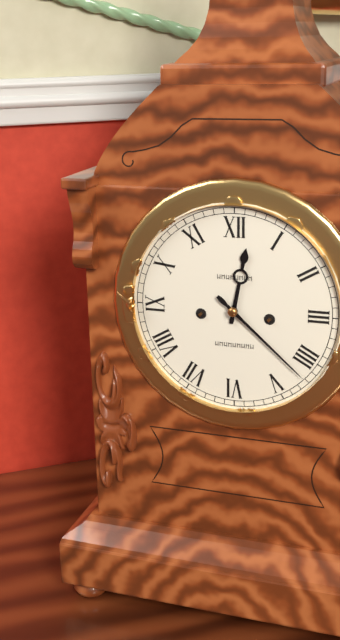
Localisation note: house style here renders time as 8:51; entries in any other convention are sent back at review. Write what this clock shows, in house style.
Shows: 12:22
